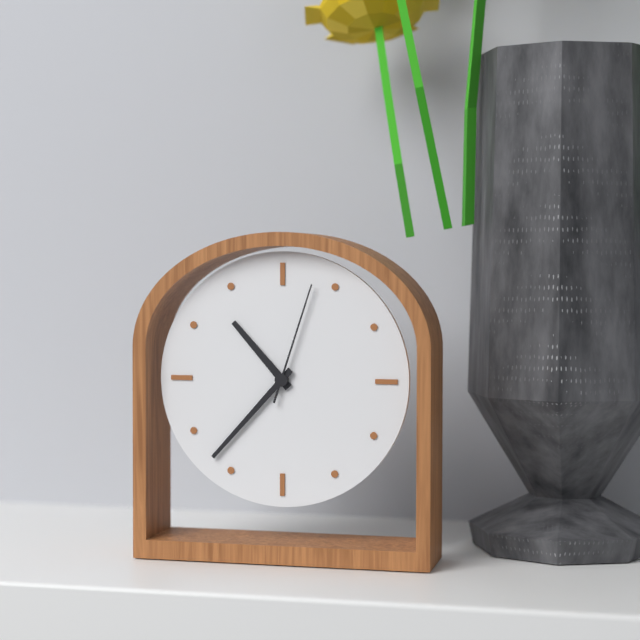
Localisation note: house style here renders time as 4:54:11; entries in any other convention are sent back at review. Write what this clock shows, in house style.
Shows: 10:37:03
